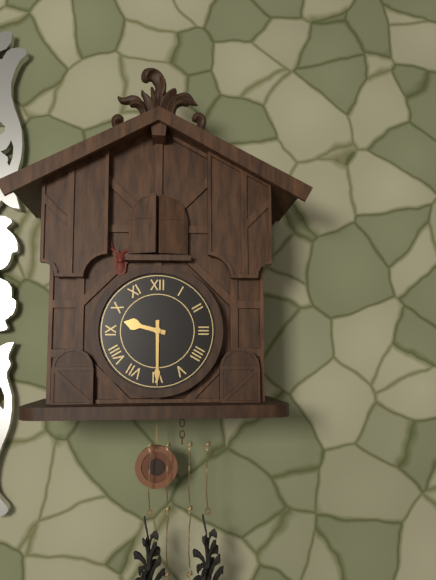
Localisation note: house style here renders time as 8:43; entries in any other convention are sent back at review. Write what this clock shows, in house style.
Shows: 9:30
